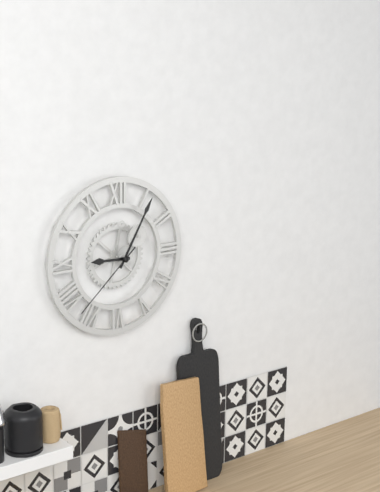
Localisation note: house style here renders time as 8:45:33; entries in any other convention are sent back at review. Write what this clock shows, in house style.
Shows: 9:05:38
